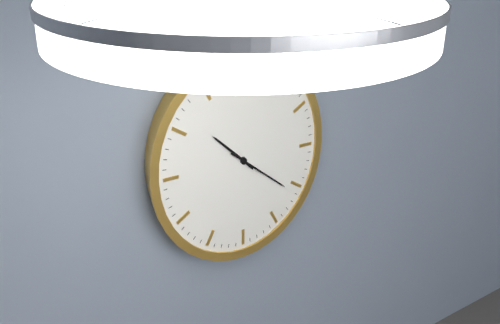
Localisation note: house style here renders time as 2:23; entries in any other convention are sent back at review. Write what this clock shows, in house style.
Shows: 10:21
